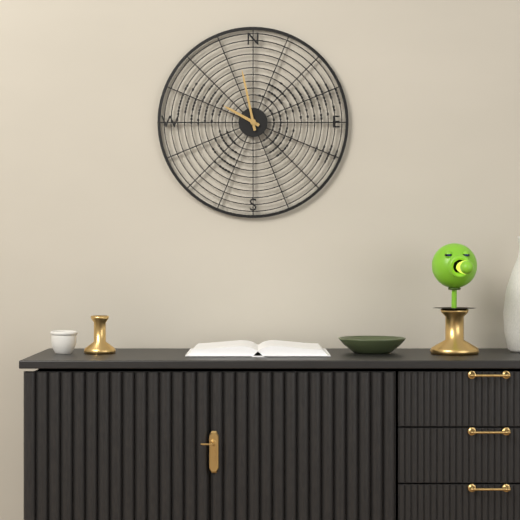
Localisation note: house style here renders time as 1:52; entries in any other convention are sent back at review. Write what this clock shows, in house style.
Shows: 9:58
